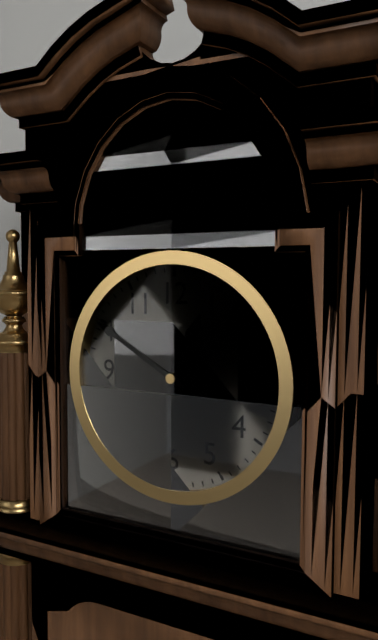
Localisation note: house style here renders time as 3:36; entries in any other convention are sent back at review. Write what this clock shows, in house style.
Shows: 12:50
